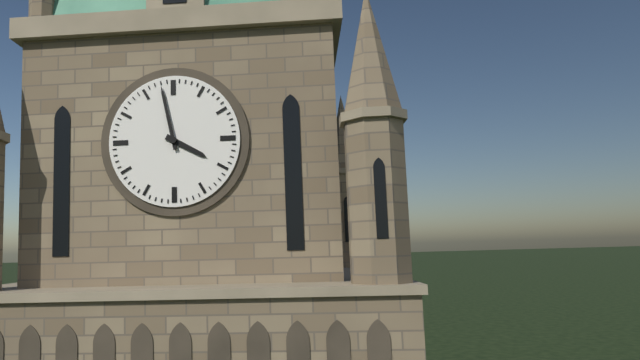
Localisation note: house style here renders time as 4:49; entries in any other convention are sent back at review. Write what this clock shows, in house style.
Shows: 3:58
